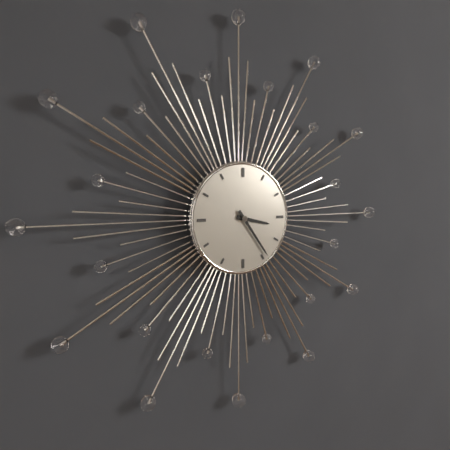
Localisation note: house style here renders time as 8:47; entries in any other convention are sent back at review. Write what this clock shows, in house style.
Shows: 3:24
